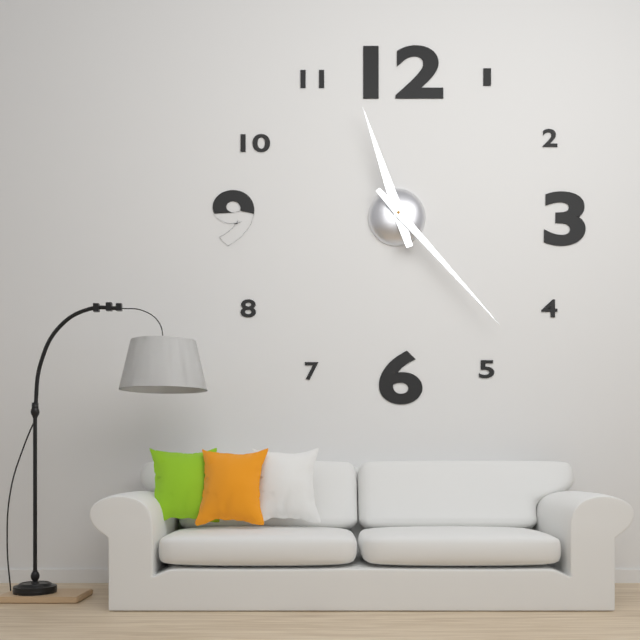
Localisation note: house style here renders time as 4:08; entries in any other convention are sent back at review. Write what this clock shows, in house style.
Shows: 11:23
